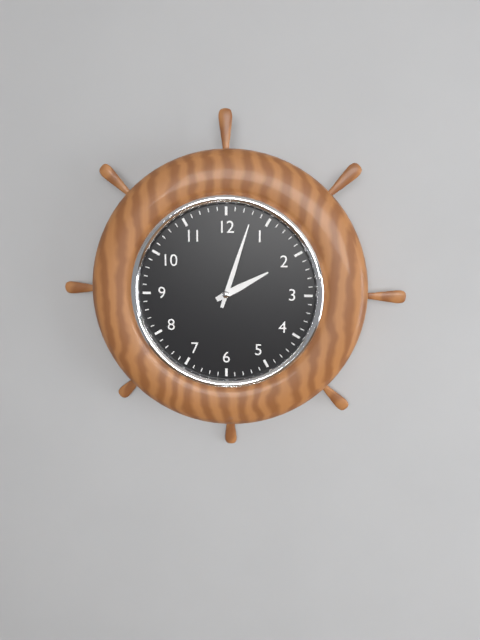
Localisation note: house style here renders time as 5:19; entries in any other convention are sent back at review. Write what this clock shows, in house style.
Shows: 2:03
